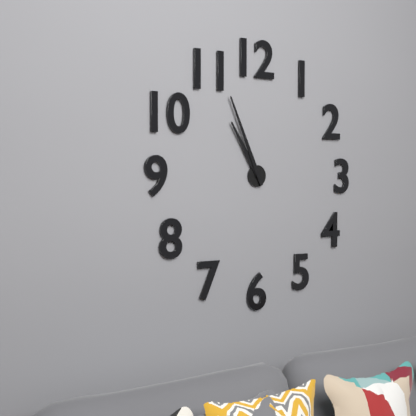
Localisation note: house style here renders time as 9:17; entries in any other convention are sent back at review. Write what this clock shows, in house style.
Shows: 10:56
